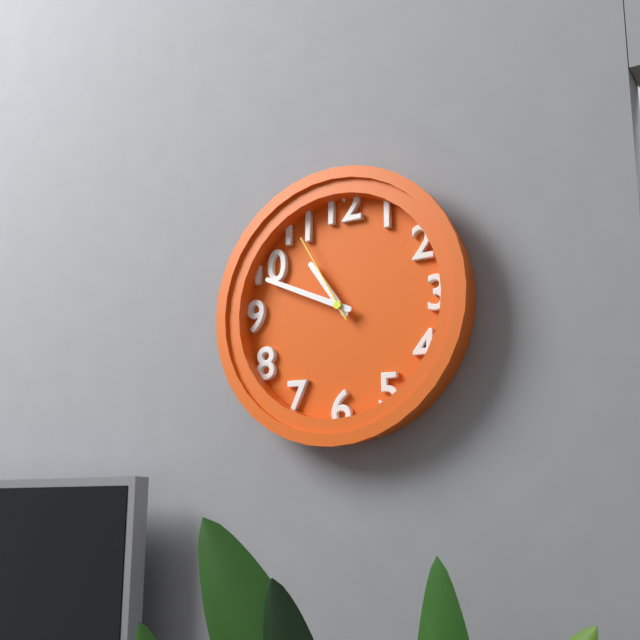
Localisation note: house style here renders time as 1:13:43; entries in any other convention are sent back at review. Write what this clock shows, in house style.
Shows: 10:49:55
